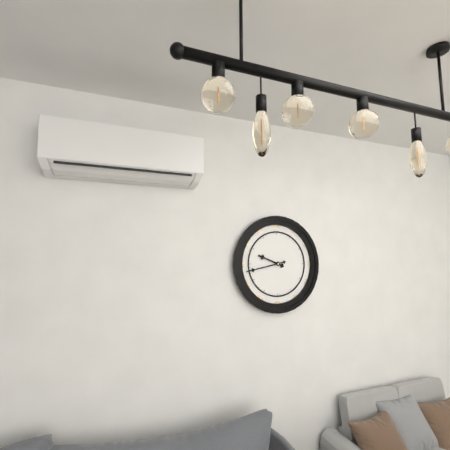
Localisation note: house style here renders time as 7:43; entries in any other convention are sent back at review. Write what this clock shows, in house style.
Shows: 9:43
